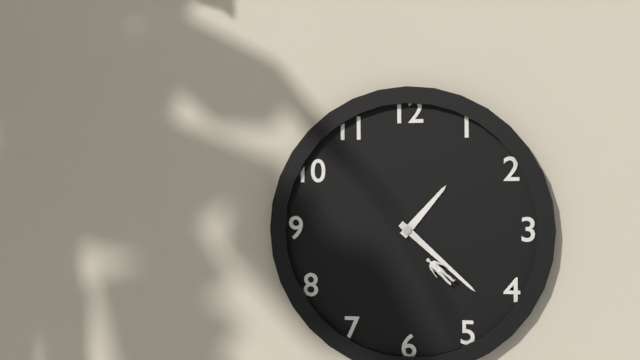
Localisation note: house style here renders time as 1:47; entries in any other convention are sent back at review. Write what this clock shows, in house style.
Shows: 1:22
